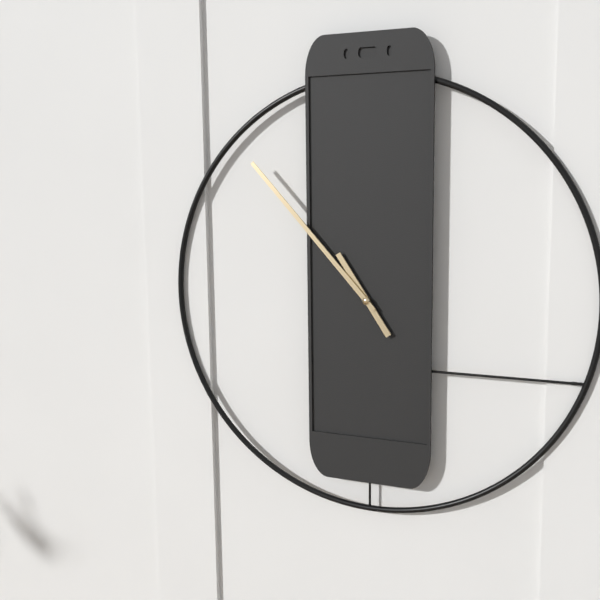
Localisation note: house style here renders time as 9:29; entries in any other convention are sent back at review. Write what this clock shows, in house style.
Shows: 10:53
